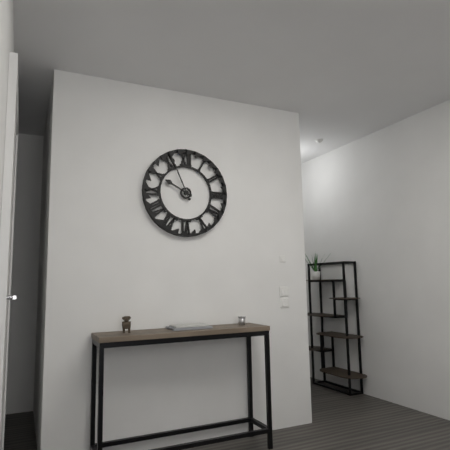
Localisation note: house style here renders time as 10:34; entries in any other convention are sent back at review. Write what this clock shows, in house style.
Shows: 9:56
